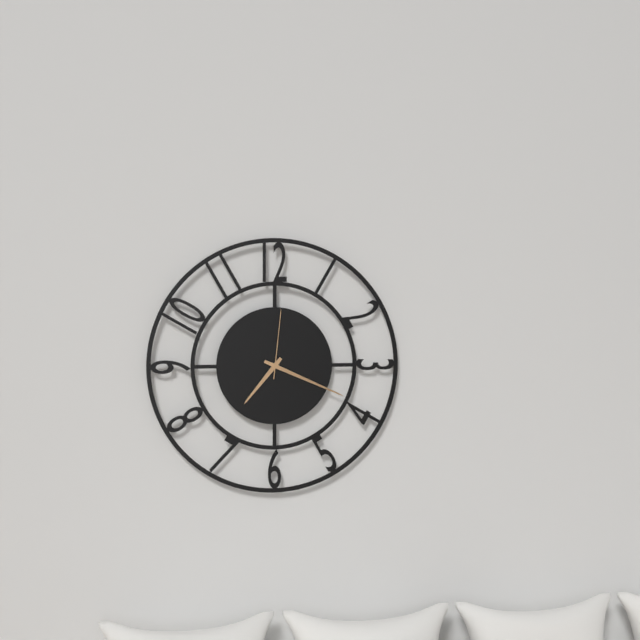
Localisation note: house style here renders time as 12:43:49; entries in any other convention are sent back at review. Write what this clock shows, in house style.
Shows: 7:19:01
